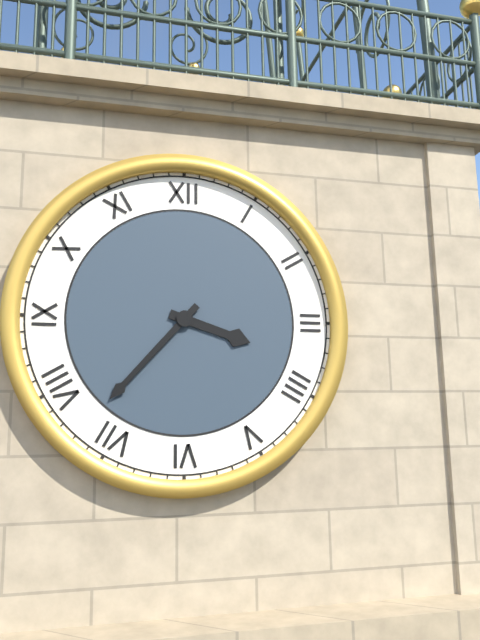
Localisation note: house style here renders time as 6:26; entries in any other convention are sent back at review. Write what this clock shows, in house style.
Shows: 3:37
